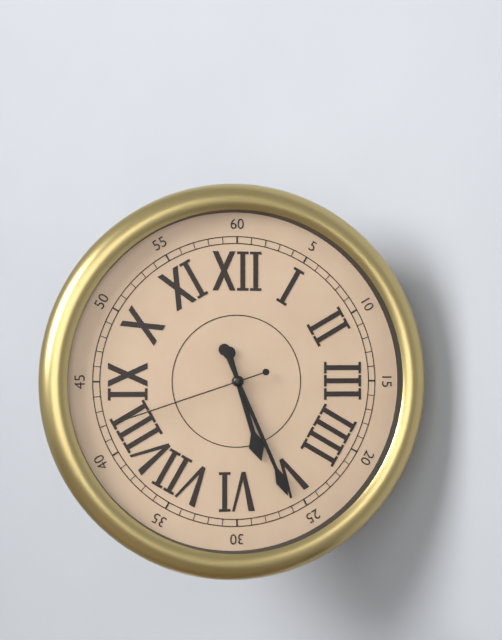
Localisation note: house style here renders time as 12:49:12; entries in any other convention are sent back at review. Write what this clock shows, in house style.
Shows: 5:26:42
